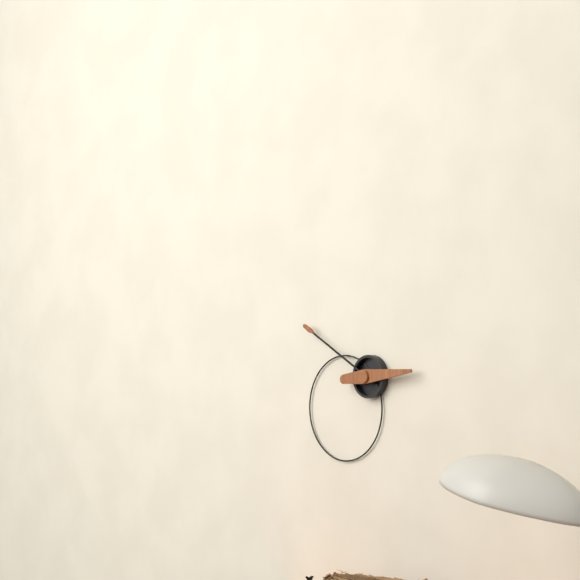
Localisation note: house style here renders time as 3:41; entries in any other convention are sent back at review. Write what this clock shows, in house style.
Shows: 2:50
